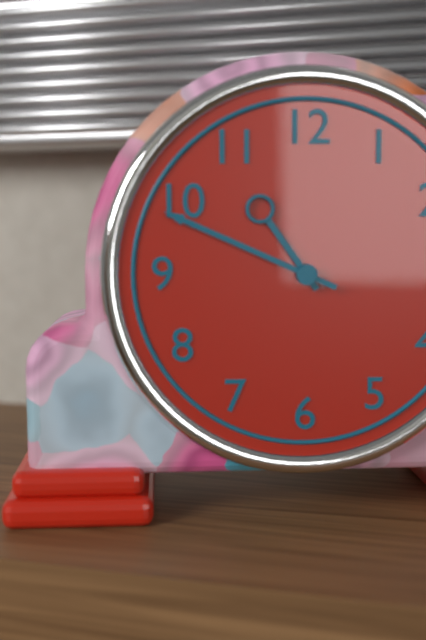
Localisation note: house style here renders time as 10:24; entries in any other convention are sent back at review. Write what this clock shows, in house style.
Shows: 10:49
